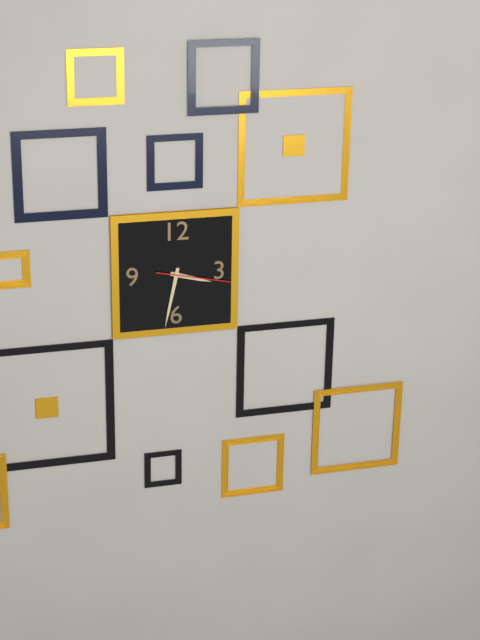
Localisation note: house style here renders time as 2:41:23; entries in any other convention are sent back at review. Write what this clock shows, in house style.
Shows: 3:32:17
